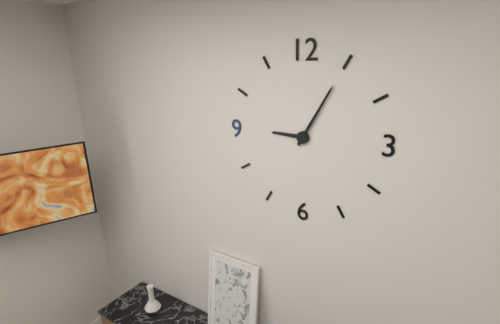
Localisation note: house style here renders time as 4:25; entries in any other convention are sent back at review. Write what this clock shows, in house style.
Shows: 9:05
